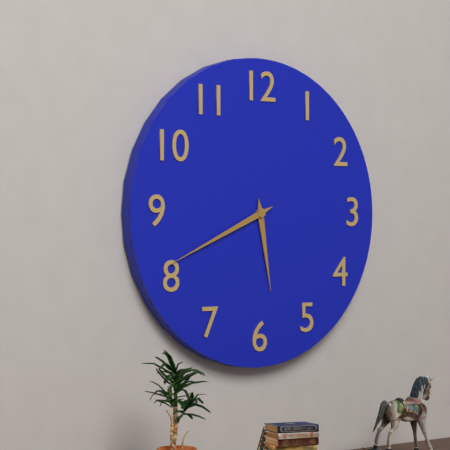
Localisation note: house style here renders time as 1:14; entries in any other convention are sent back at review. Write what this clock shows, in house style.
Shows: 5:41
